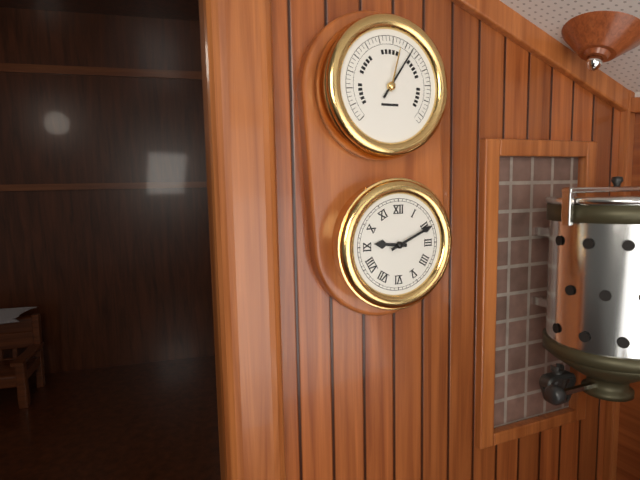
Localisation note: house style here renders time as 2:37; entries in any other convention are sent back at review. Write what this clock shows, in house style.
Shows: 9:11
